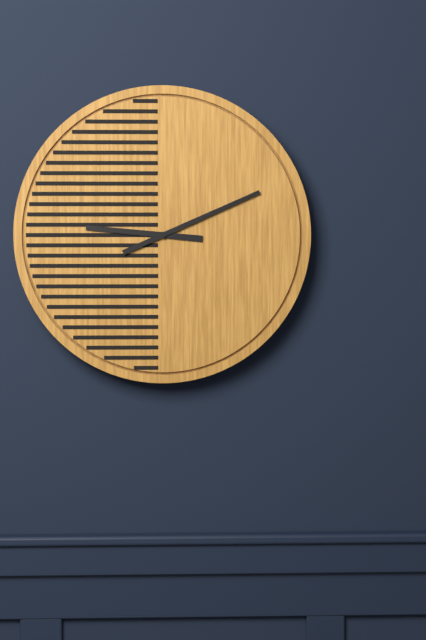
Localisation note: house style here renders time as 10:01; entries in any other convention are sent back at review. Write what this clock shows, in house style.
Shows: 9:11
